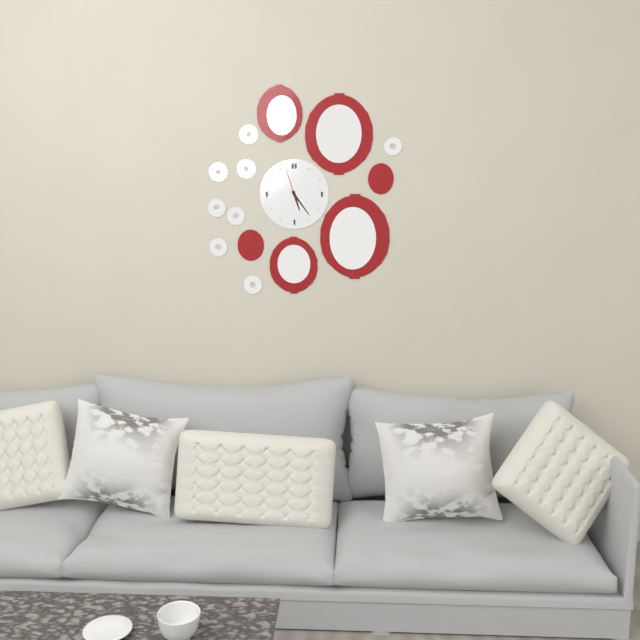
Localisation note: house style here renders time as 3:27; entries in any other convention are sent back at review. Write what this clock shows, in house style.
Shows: 5:24
